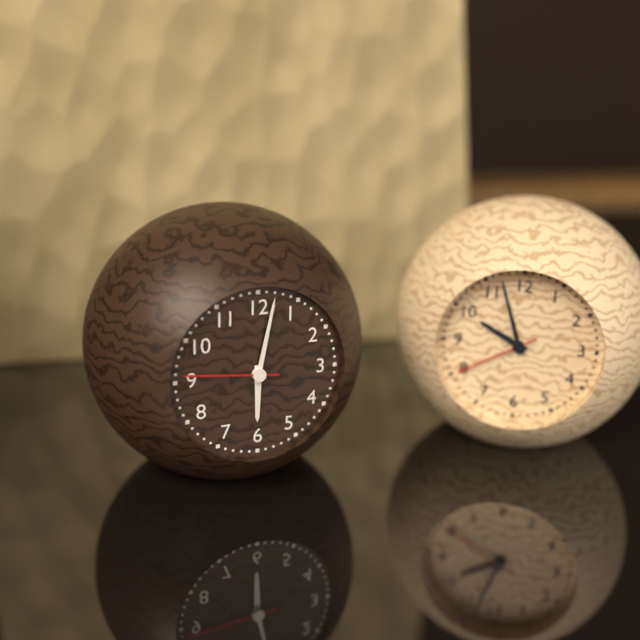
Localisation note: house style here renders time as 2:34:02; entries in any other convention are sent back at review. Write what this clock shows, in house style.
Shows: 6:02:46
